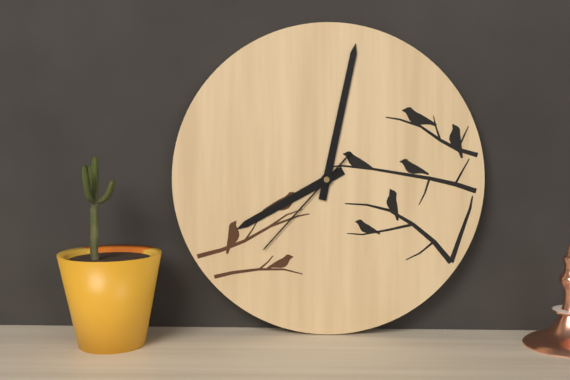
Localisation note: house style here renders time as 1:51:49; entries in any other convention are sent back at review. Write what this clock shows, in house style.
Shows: 8:02:37
